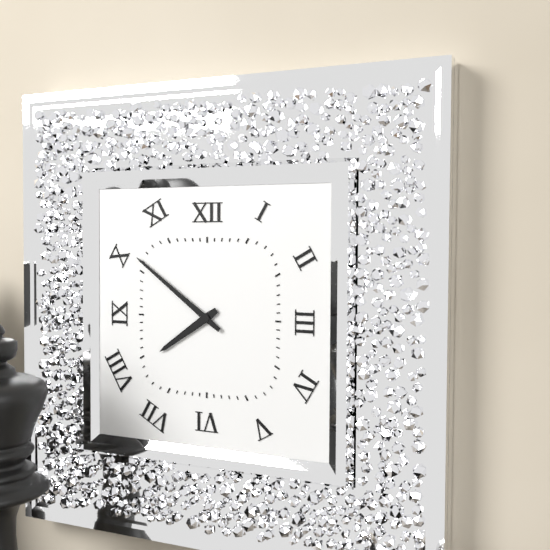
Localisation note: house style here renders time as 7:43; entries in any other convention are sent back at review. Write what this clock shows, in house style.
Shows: 7:51
